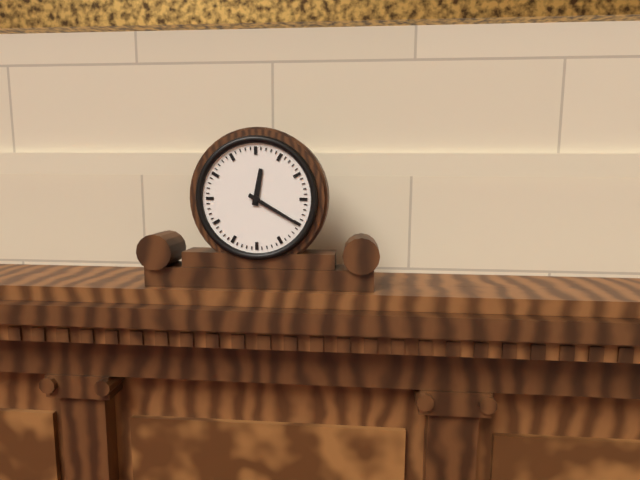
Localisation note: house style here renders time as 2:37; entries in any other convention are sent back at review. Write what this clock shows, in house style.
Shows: 12:20
